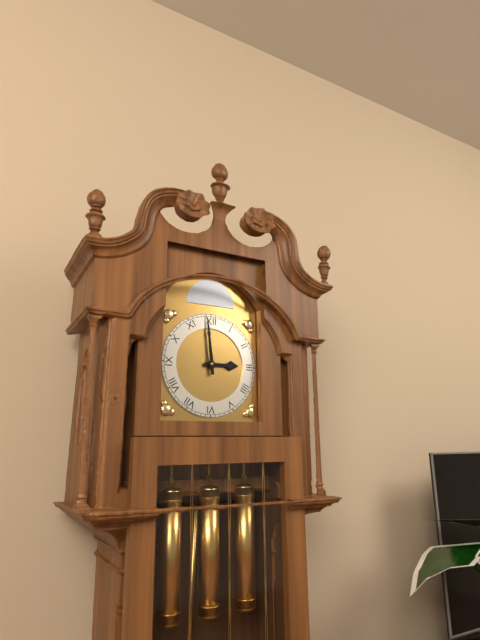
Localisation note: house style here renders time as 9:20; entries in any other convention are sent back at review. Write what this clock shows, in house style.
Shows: 2:59
